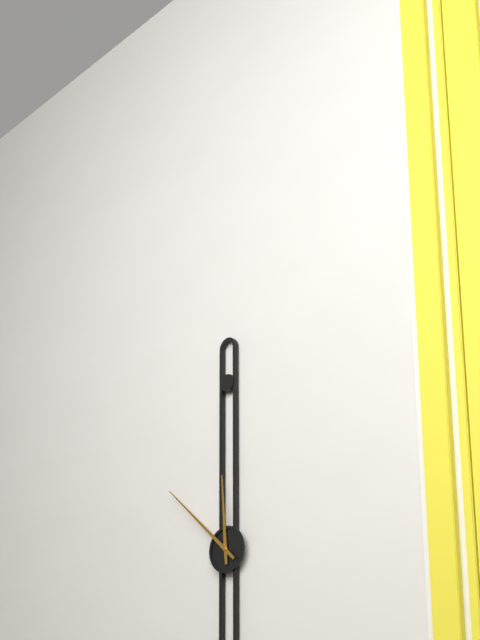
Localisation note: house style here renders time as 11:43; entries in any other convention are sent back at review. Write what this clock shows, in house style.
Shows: 11:52
